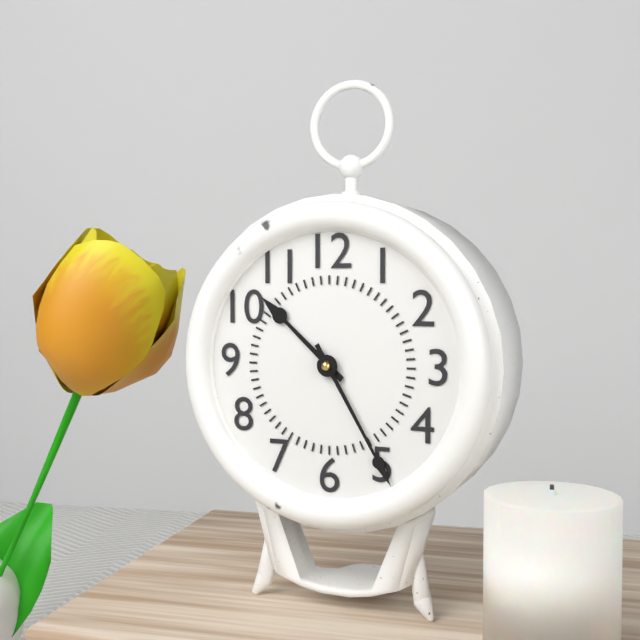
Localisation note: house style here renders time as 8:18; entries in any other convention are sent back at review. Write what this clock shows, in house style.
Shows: 10:25
